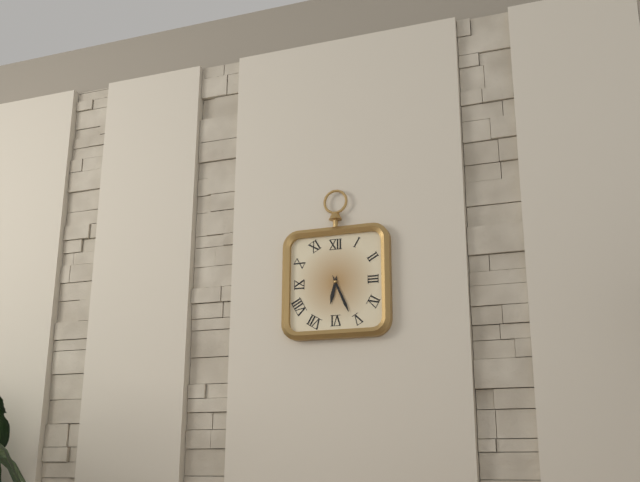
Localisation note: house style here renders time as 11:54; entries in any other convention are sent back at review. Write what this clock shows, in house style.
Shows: 6:26
